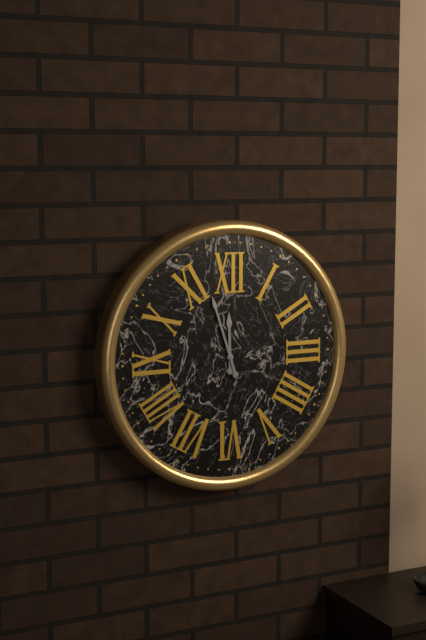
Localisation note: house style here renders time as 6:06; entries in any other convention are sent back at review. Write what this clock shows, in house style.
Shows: 11:57
